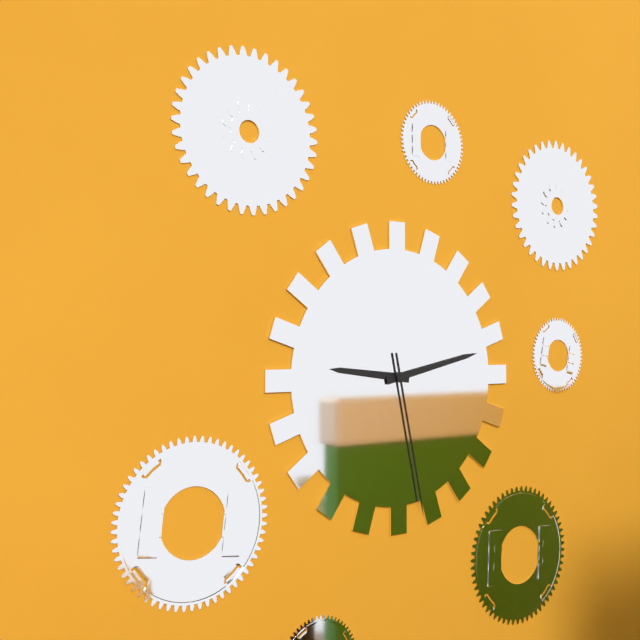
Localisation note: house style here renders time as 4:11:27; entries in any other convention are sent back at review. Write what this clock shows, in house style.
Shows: 9:13:28
